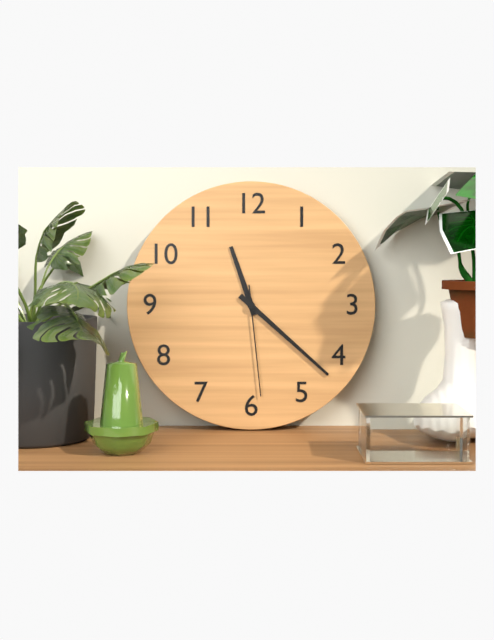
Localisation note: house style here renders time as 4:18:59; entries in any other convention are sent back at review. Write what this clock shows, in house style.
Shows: 11:22:29
